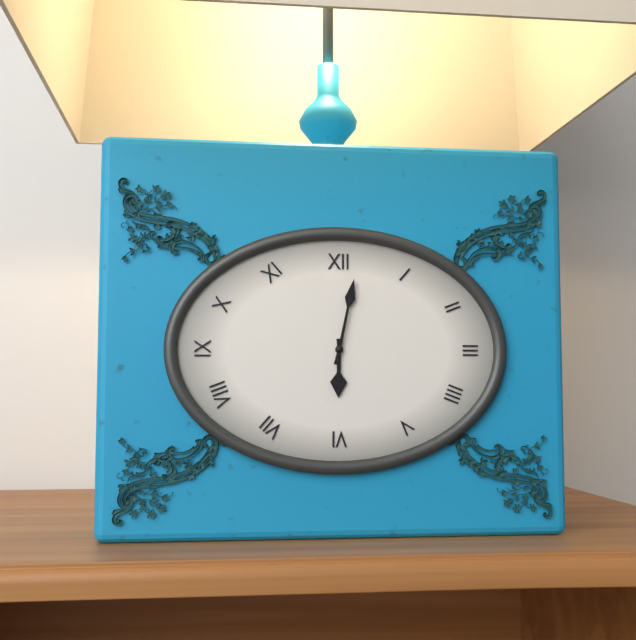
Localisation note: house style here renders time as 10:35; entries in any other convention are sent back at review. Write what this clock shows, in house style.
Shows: 6:02
